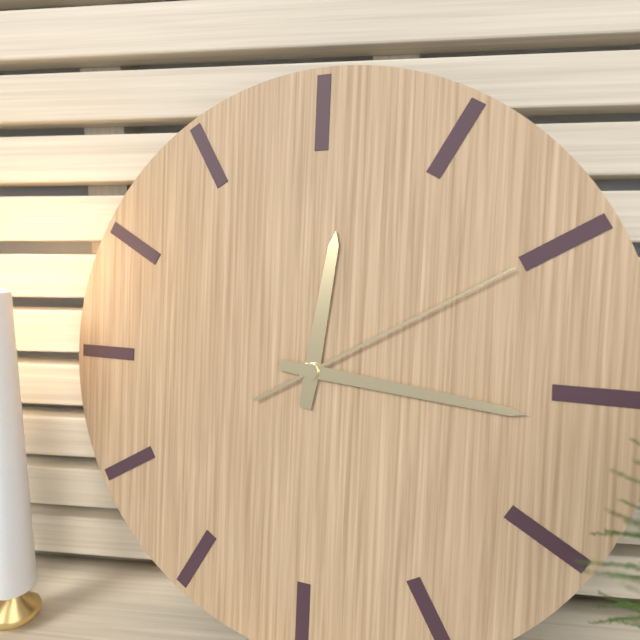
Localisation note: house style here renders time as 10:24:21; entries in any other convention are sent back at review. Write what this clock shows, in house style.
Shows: 12:16:10
